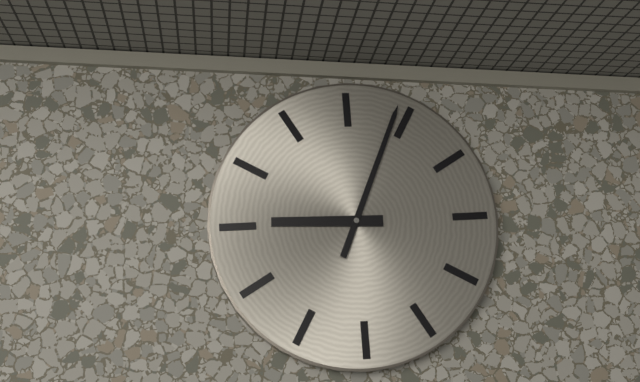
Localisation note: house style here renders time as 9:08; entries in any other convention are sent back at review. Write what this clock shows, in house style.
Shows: 9:04
